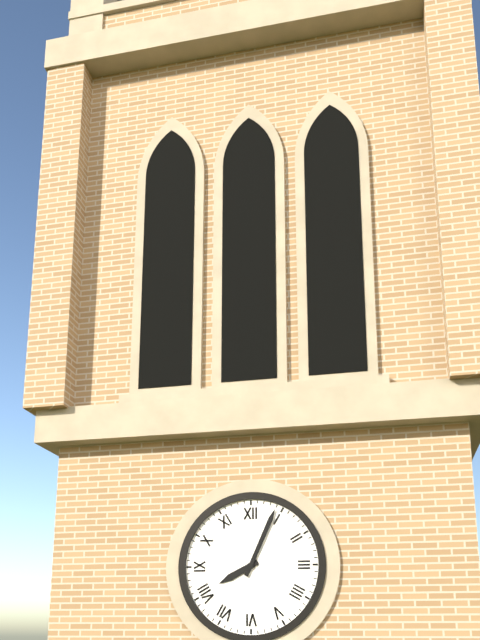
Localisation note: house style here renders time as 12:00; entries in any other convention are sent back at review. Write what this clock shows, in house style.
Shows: 8:04
